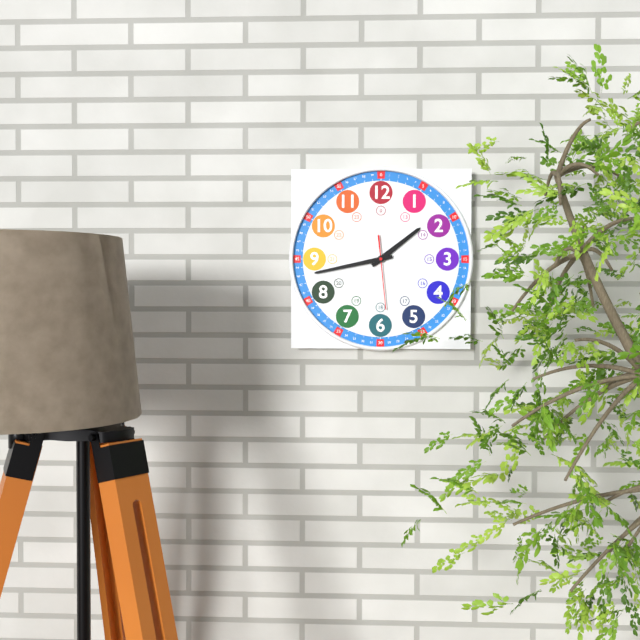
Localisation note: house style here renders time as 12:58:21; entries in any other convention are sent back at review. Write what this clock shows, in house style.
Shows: 1:43:29
